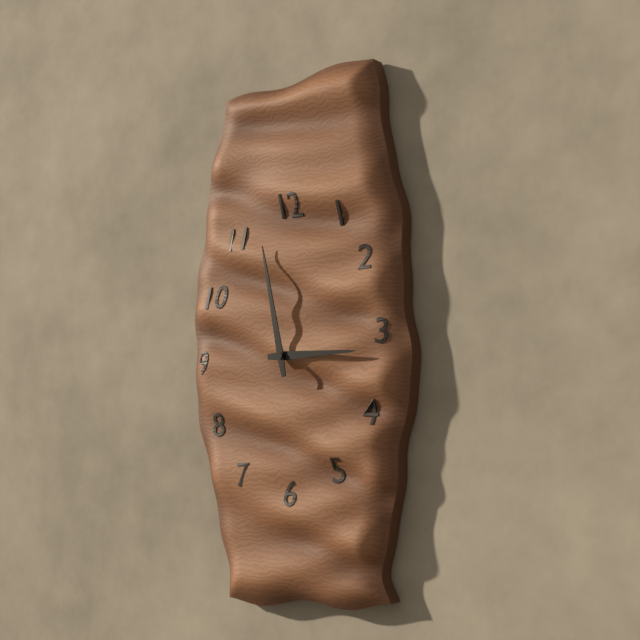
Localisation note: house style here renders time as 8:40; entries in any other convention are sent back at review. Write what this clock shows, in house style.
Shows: 2:58
